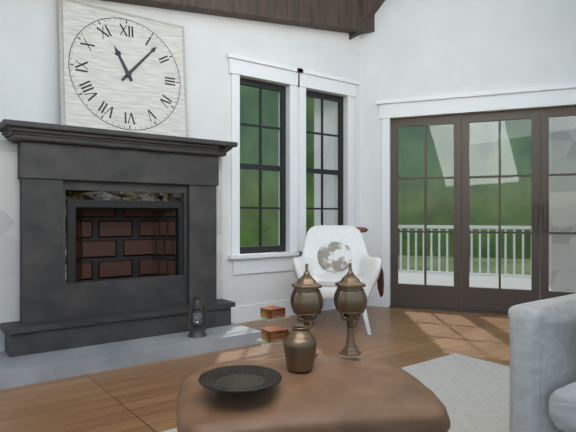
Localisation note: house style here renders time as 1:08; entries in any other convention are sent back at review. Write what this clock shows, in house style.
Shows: 11:07
